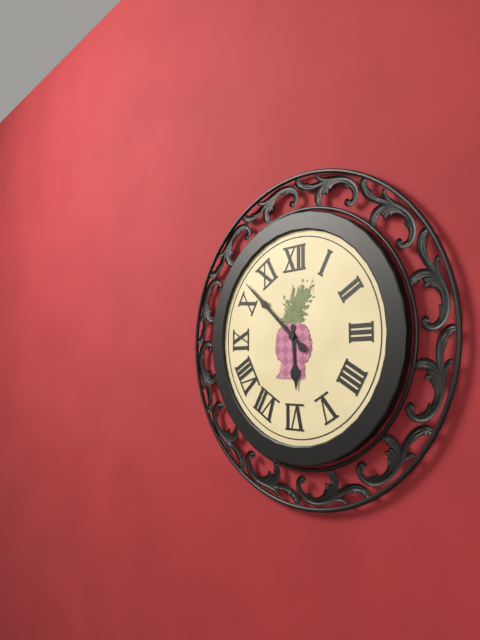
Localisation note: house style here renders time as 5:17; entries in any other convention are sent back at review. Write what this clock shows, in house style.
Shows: 5:52
